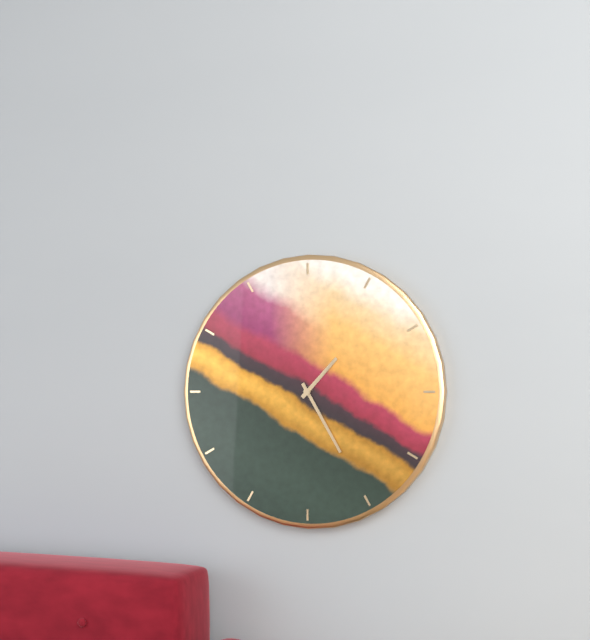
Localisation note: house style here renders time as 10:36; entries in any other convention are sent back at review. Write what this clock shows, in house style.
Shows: 1:25
